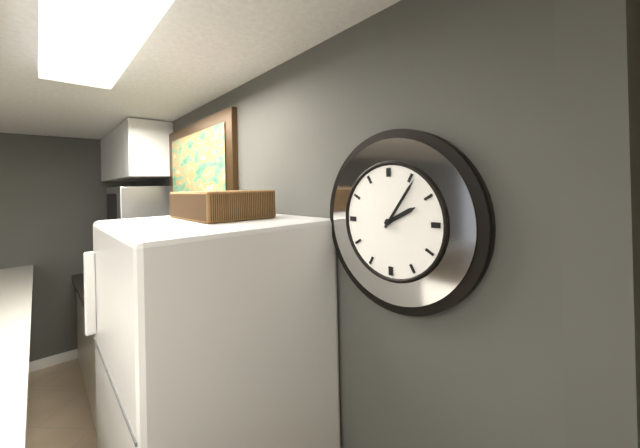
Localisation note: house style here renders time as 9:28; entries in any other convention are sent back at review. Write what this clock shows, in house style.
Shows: 2:06
